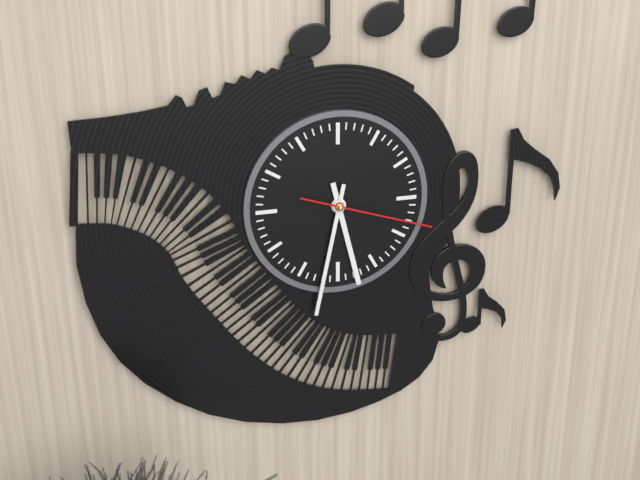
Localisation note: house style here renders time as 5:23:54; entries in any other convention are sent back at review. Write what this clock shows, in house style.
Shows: 5:32:18
